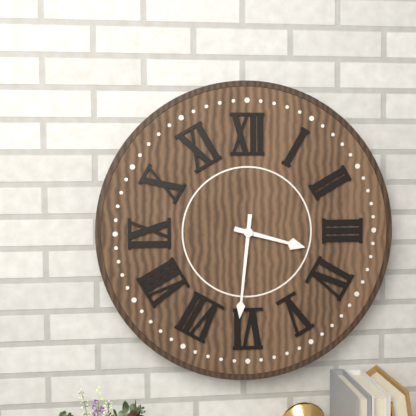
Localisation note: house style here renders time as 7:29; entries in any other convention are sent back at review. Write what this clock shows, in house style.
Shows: 3:31
